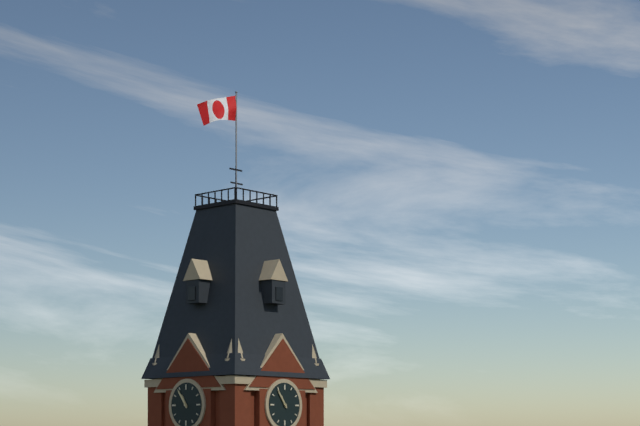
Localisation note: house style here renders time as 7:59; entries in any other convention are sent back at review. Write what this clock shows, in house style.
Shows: 10:54
